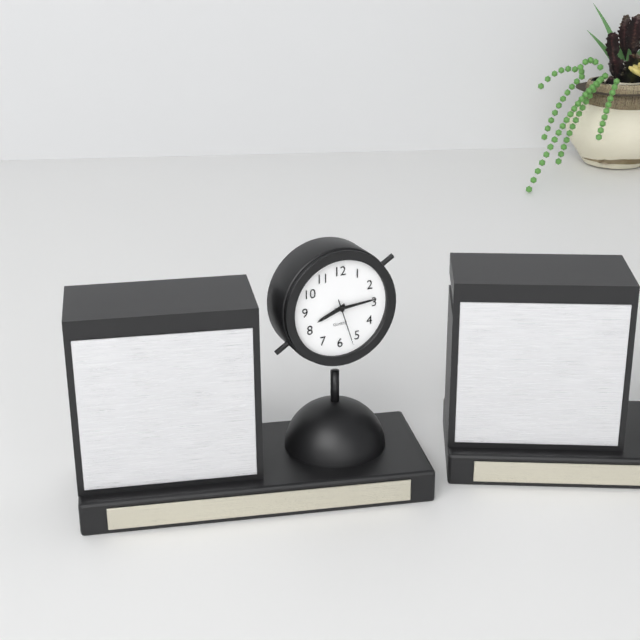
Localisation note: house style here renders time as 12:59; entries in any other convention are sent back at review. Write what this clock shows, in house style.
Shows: 8:14
